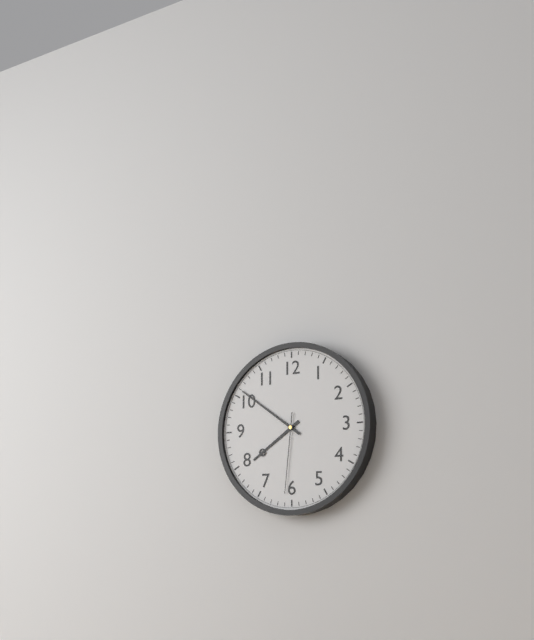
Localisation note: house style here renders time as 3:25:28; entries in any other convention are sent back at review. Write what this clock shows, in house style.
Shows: 7:51:31
